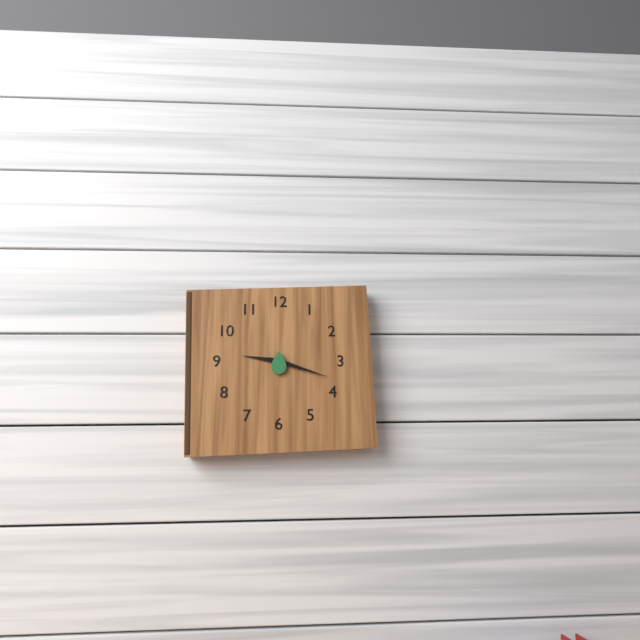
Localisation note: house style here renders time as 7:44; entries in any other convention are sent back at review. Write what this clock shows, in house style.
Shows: 9:18
